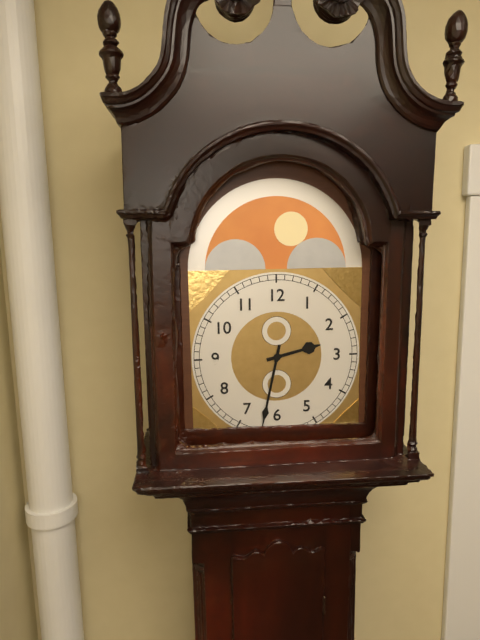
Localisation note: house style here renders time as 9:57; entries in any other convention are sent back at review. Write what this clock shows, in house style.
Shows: 2:32
